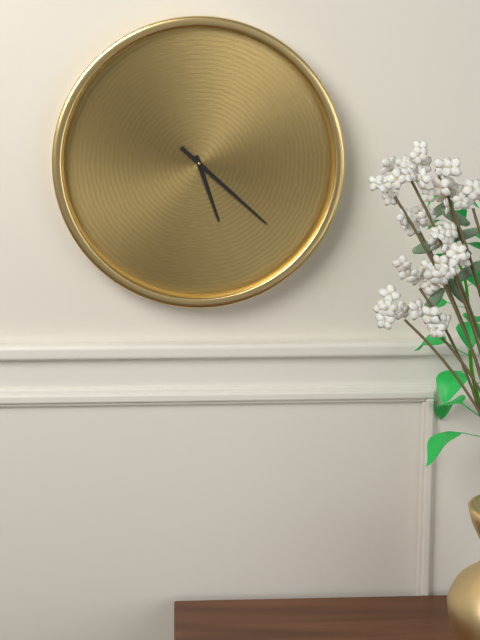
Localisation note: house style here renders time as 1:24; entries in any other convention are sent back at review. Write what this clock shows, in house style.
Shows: 5:22
